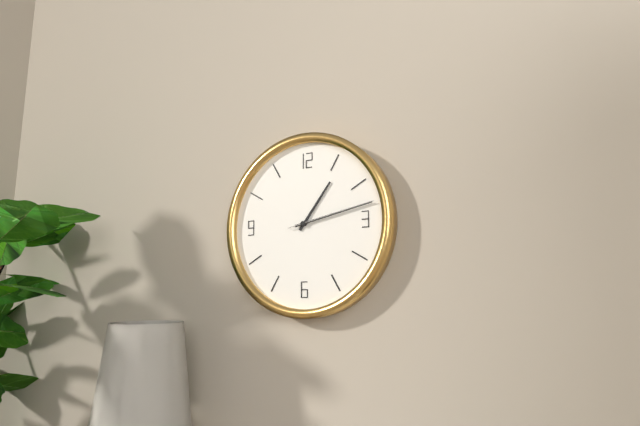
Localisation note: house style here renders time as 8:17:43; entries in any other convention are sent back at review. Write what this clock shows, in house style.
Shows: 1:13:13
